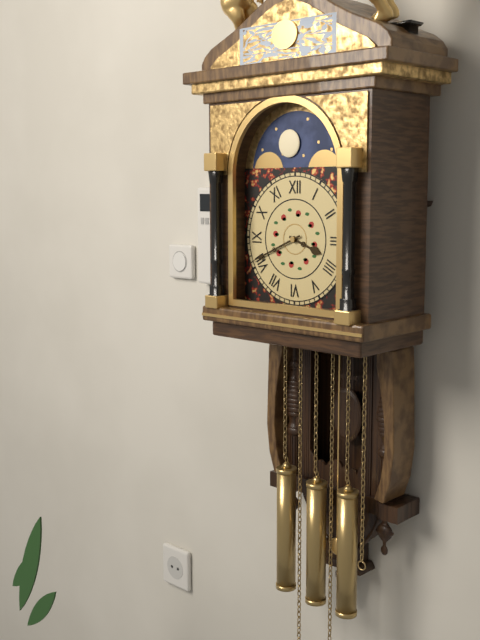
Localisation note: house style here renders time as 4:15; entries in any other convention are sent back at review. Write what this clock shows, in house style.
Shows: 3:41
